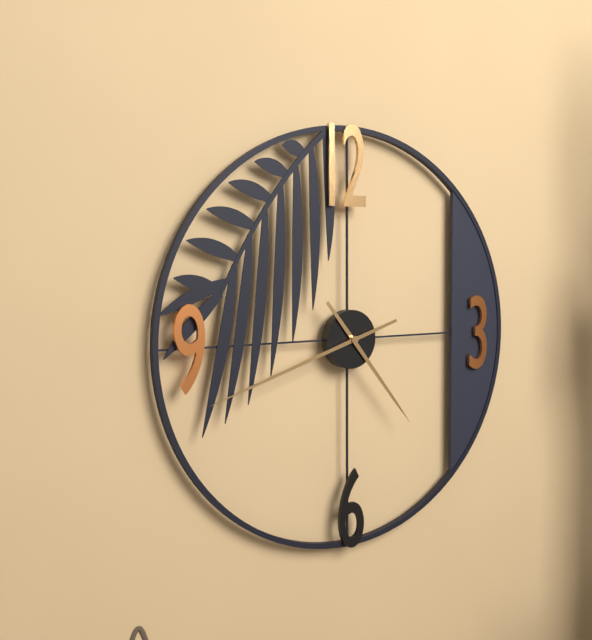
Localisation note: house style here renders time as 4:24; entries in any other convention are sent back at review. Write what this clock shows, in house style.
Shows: 4:42
